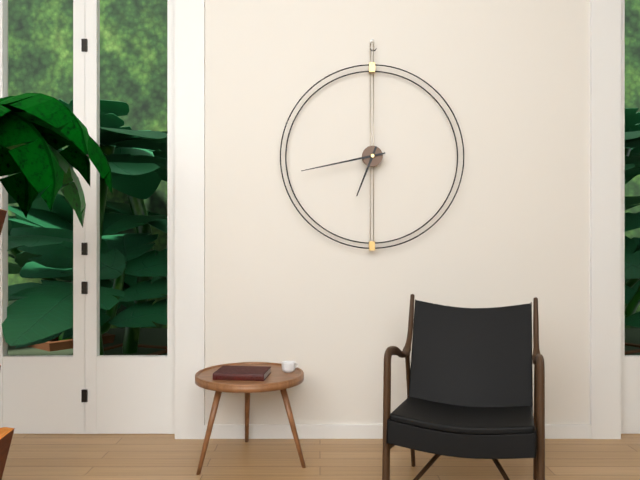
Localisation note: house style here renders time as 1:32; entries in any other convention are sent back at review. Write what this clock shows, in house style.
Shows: 6:43
